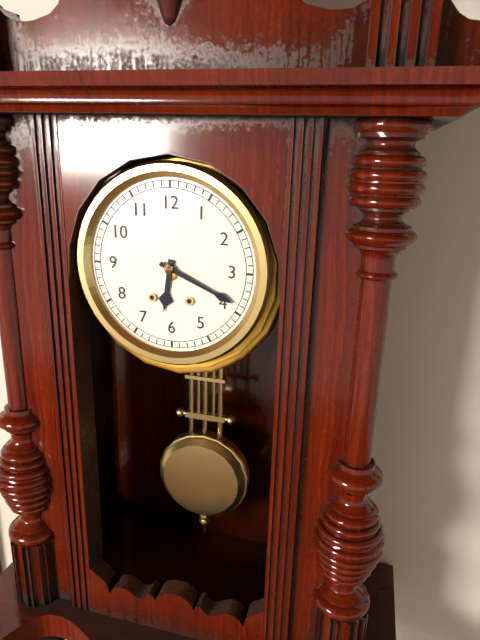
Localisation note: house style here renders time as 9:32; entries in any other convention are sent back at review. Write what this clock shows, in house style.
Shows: 6:19
